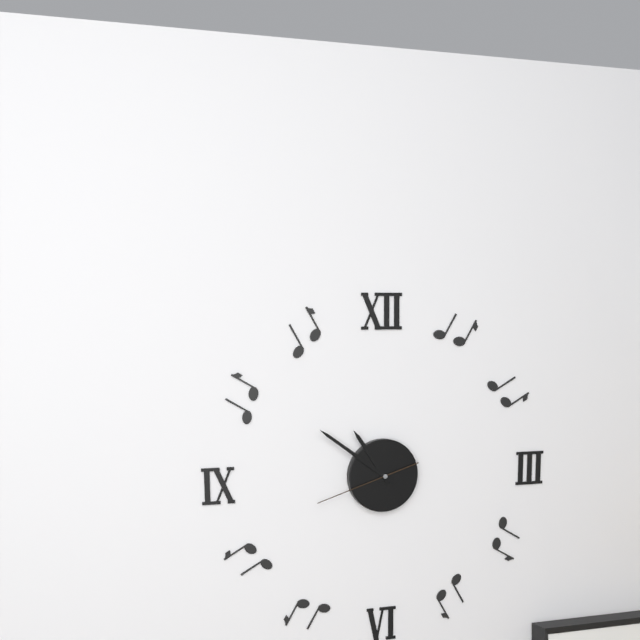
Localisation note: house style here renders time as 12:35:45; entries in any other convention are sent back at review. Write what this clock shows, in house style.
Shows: 10:51:42
